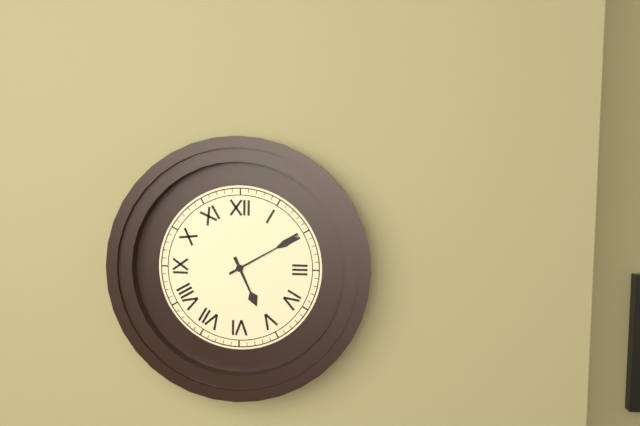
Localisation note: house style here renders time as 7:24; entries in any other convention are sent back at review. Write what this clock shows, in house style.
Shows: 5:10
